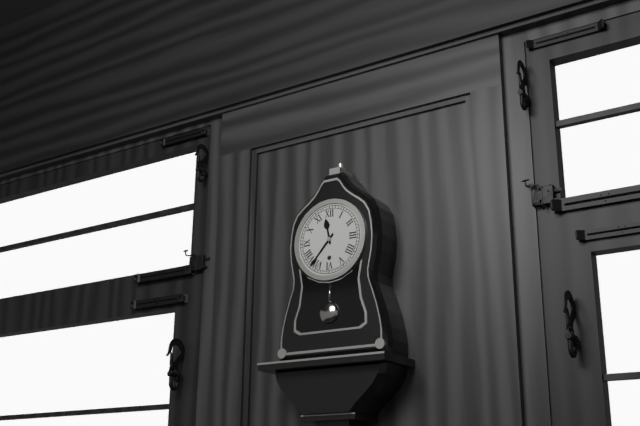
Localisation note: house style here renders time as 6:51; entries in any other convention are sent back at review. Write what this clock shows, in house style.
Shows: 11:37
